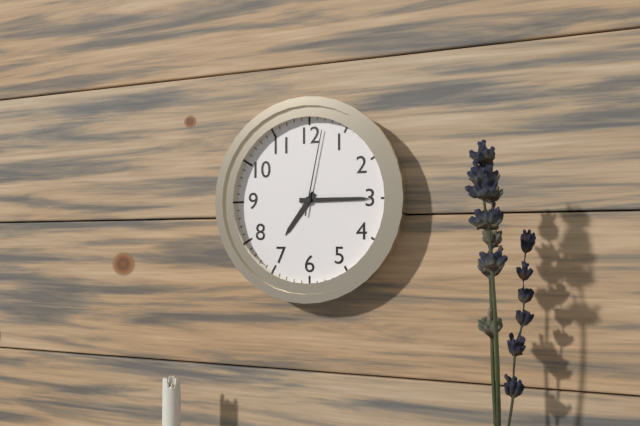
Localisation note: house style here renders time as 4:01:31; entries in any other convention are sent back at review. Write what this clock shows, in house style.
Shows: 7:15:02
